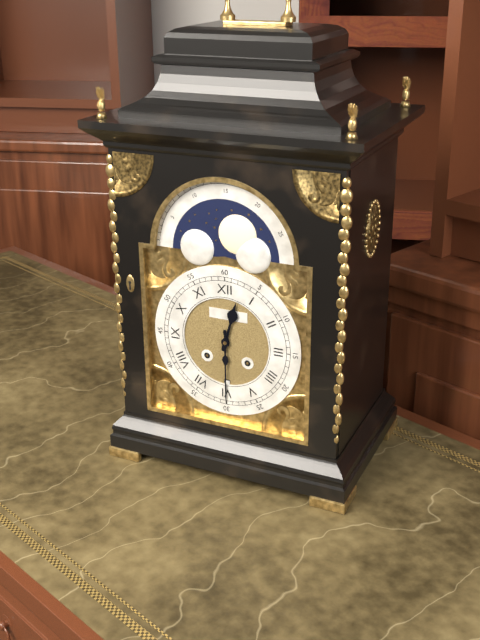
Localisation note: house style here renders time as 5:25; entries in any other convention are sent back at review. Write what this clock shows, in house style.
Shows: 12:30
